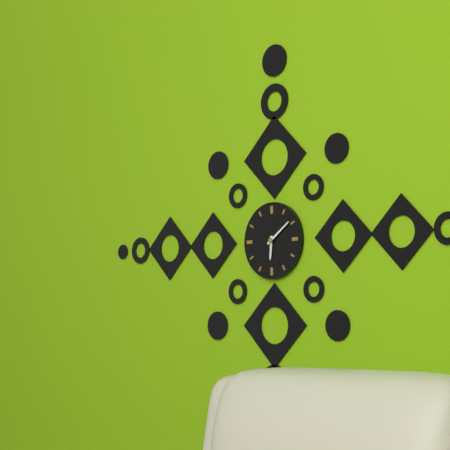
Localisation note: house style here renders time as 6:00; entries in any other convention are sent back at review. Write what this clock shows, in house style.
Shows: 6:09
